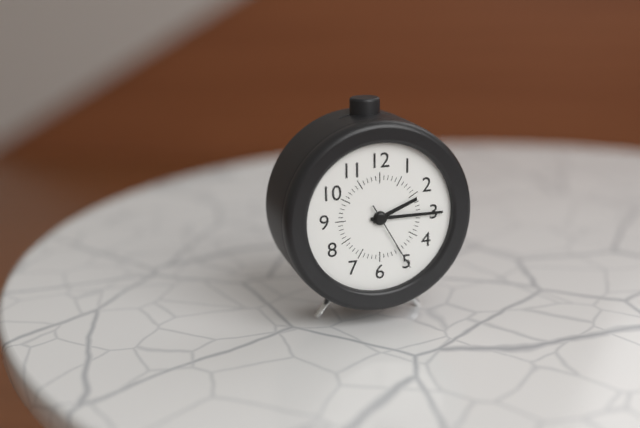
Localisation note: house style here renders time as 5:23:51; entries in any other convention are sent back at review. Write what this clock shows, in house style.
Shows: 2:15:25
